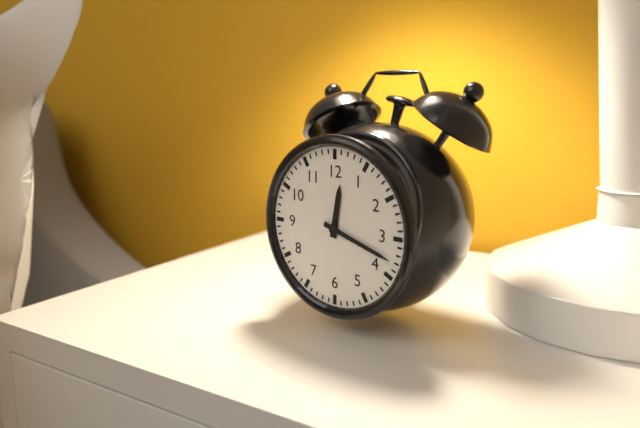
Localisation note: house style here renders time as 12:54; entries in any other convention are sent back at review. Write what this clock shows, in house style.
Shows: 12:18
